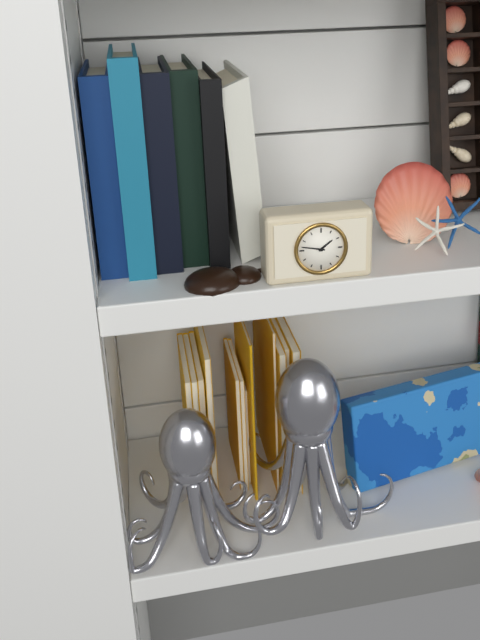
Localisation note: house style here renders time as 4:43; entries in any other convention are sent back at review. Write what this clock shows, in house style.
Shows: 1:47
